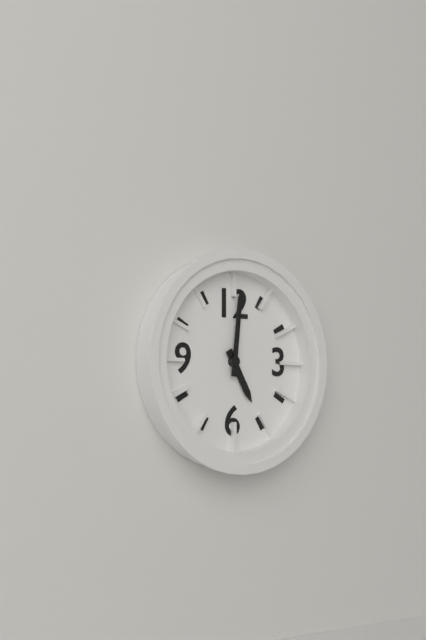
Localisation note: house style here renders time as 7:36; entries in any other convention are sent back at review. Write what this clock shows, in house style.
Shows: 5:01
